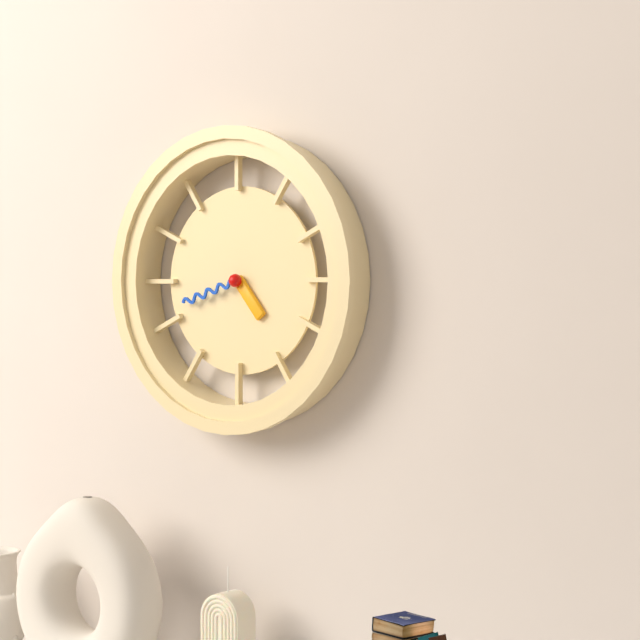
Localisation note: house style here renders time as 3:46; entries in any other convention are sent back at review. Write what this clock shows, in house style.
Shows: 4:42
